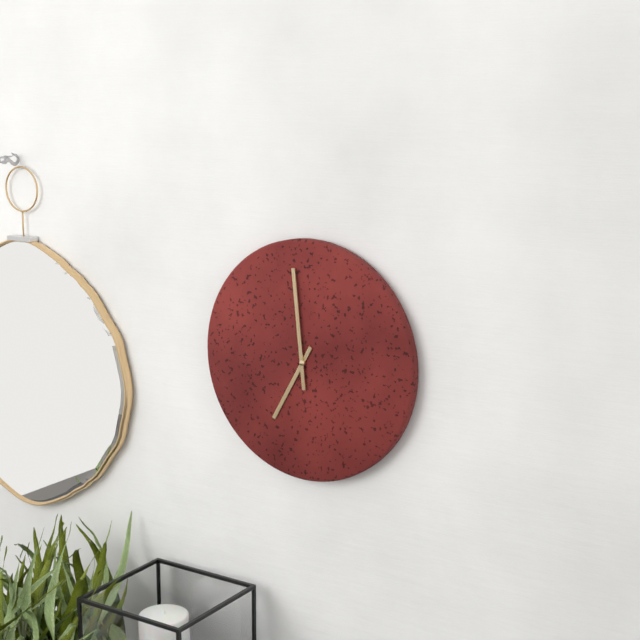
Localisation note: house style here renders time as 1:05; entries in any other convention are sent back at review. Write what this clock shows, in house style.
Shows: 6:59
